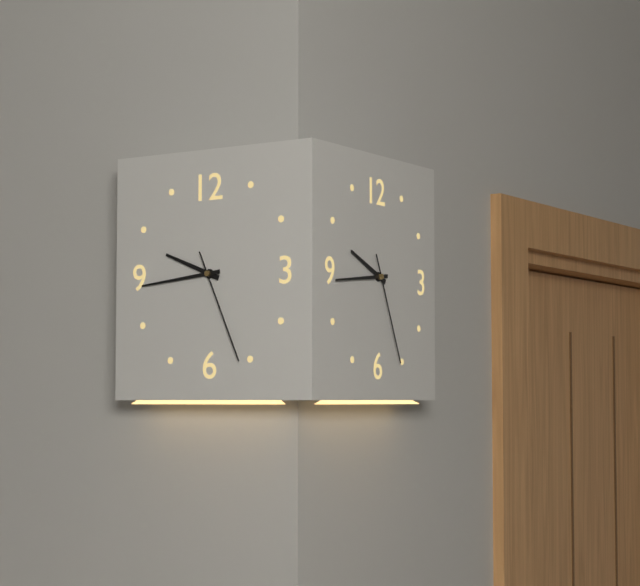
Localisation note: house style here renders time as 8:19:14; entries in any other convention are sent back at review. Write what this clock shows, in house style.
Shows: 9:44:26
